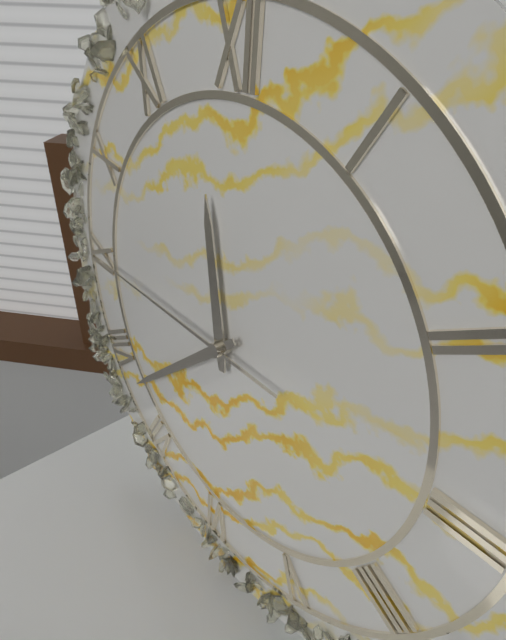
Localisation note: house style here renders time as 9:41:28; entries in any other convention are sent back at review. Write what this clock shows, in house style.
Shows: 11:38:45
